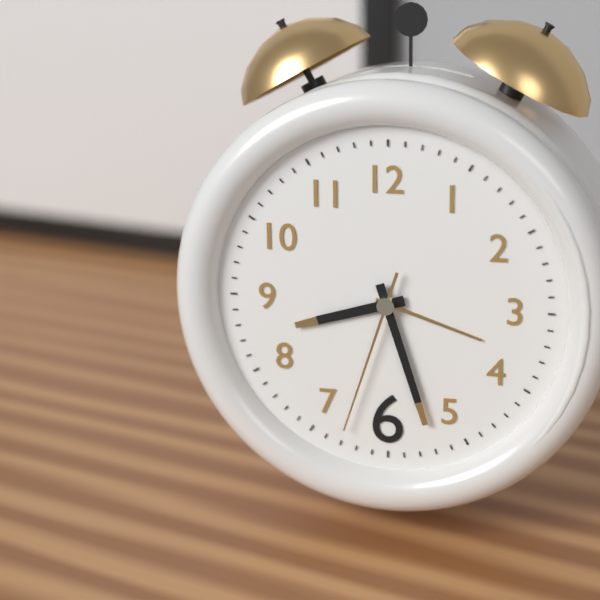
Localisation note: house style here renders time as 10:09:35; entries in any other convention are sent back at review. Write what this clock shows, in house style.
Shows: 8:27:33
